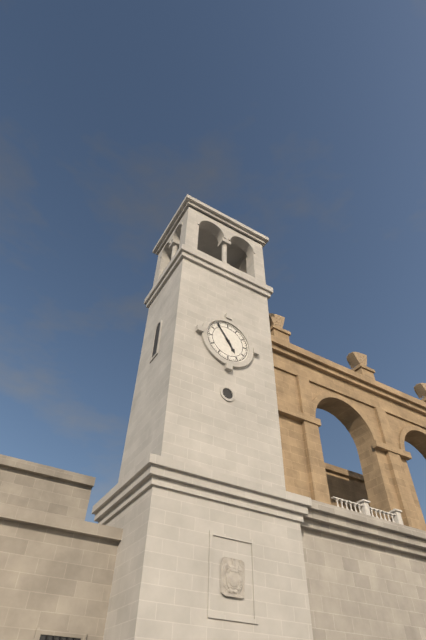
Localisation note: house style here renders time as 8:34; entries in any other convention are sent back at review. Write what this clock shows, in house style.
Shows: 4:54
